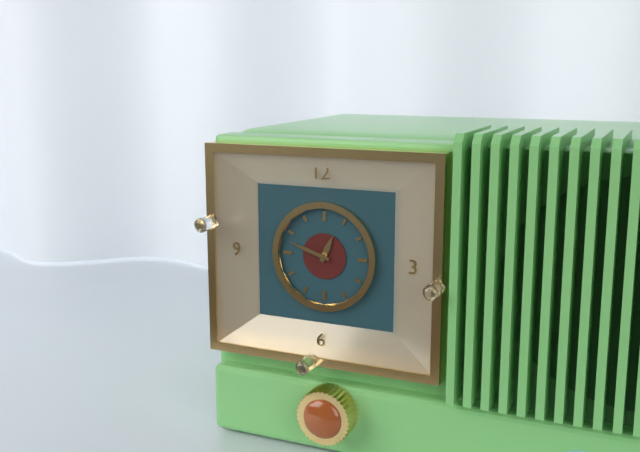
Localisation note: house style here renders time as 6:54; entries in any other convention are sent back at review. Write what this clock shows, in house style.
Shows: 12:48
